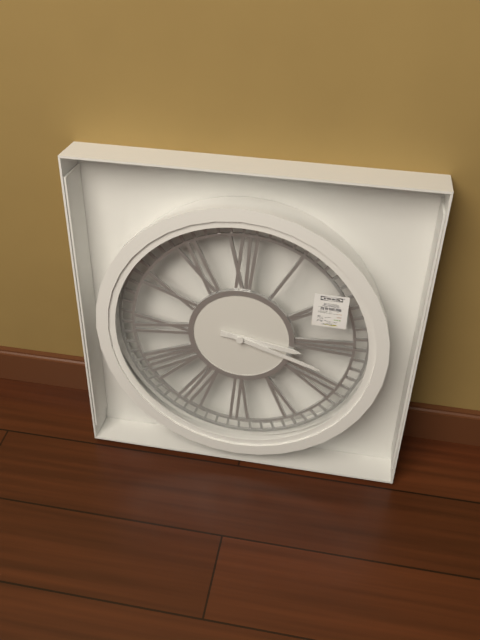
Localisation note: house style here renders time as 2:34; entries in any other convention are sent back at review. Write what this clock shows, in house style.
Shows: 3:18
